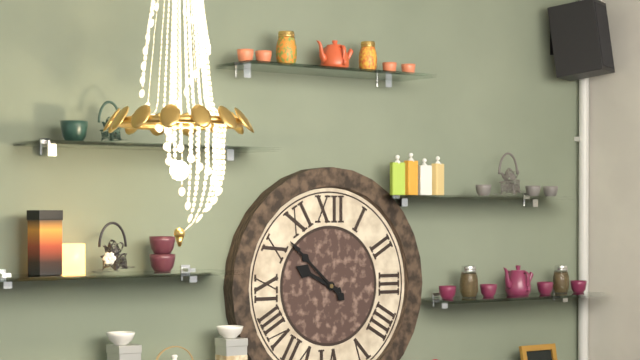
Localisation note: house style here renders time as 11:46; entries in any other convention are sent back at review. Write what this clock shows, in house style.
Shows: 9:52
